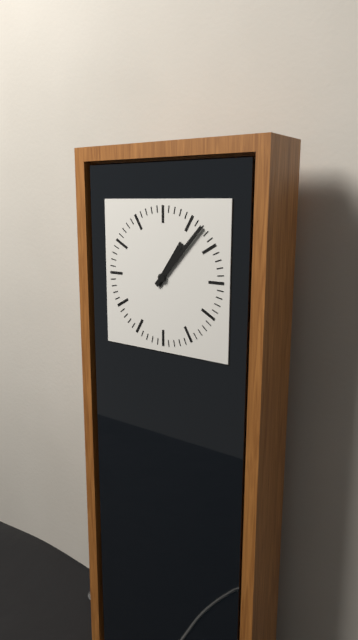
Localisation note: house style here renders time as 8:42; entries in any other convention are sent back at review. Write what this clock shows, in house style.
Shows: 1:07
